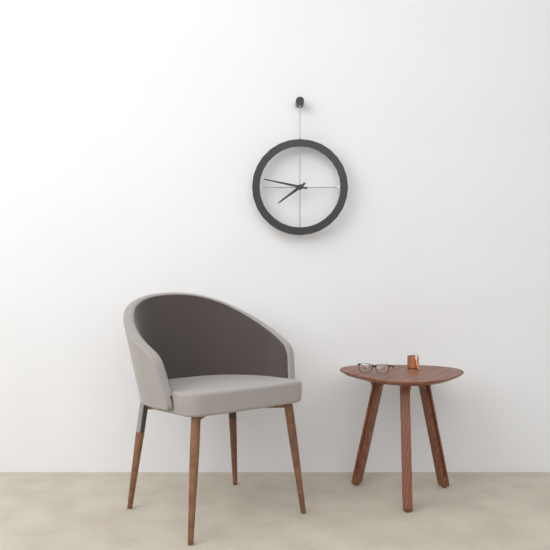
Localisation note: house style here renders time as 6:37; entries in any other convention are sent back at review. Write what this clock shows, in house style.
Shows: 7:47
